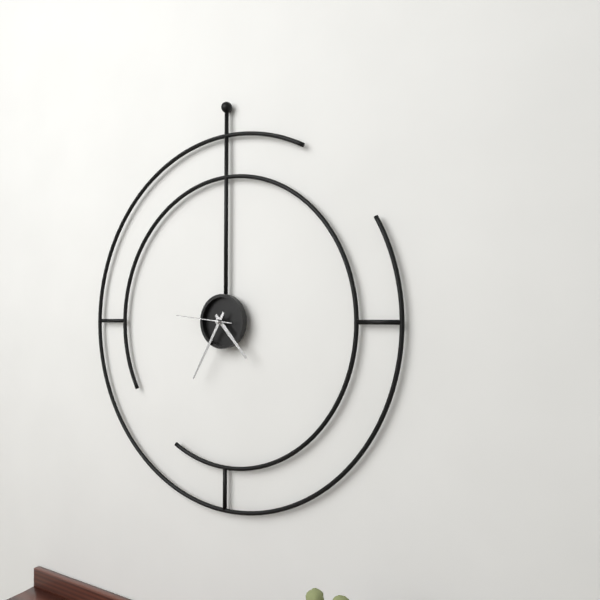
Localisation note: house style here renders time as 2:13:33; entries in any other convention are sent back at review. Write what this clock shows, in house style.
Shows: 4:35:46
